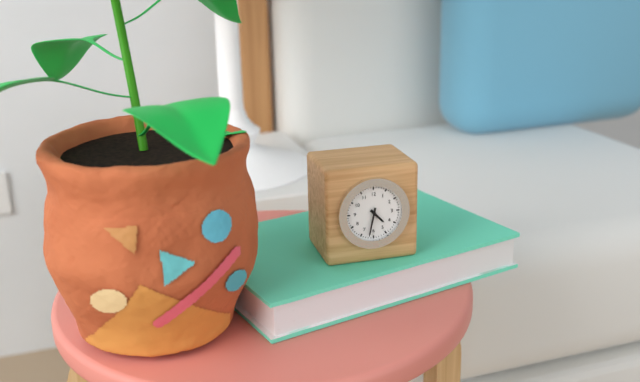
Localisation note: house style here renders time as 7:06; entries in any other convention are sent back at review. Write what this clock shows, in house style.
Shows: 4:32
